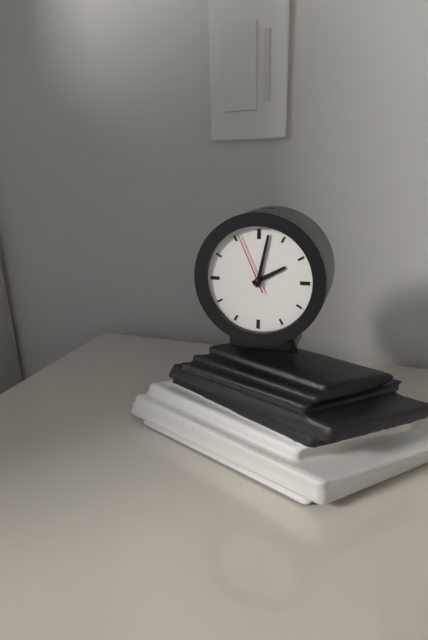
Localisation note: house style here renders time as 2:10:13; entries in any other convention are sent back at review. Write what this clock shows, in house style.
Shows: 2:02:56
